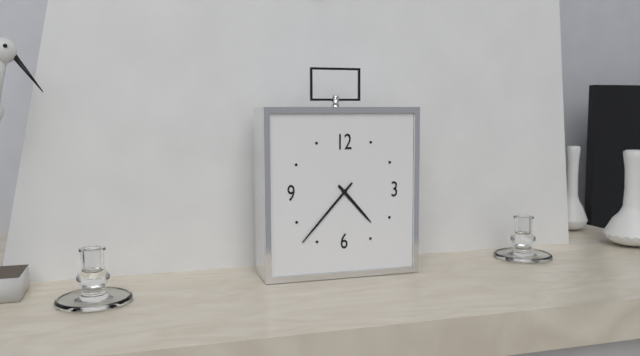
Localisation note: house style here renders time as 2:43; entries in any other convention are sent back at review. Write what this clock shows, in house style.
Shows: 4:37
